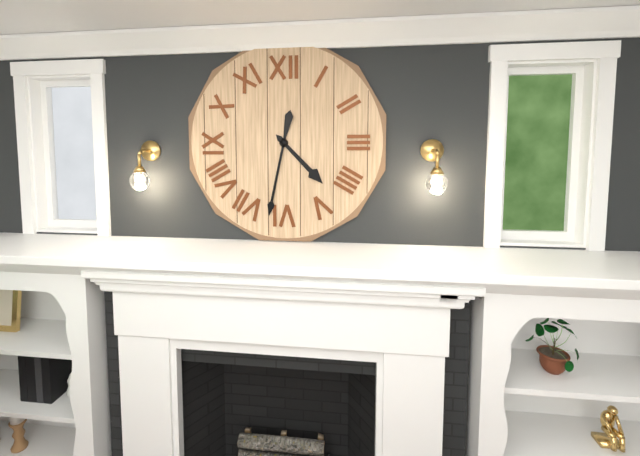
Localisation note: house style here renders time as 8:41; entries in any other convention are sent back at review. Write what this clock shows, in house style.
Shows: 4:32
